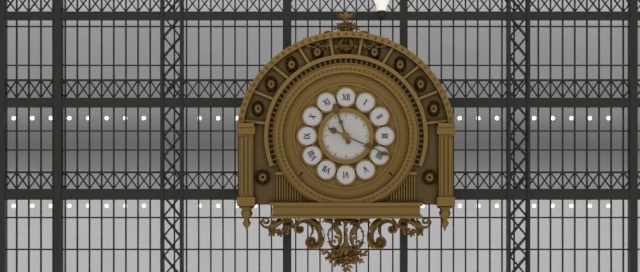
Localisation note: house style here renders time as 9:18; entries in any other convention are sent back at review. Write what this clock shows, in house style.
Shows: 11:19
